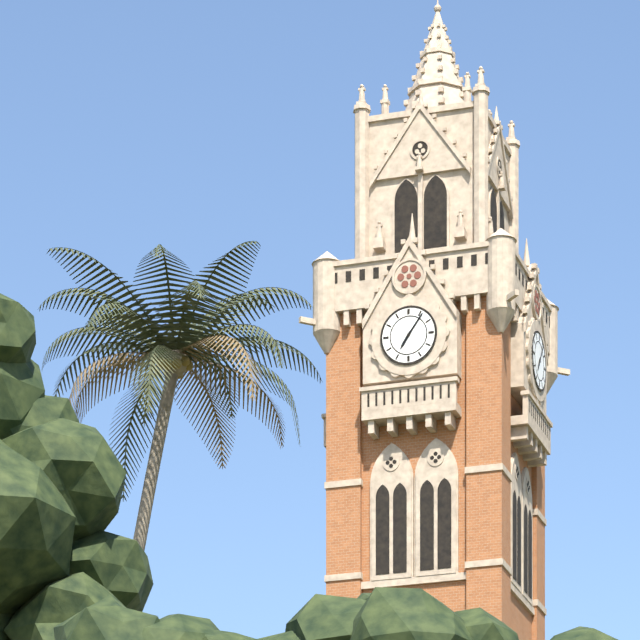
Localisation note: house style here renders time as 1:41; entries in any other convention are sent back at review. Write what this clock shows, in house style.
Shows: 7:06
